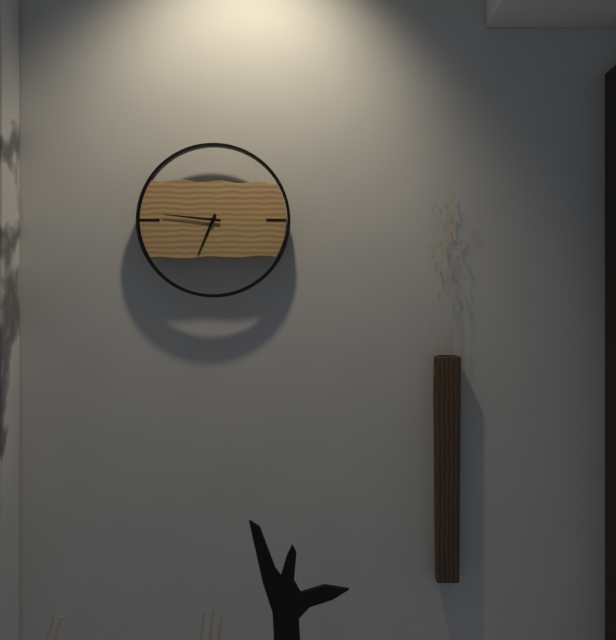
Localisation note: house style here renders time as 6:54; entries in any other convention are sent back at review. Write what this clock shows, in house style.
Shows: 6:46
